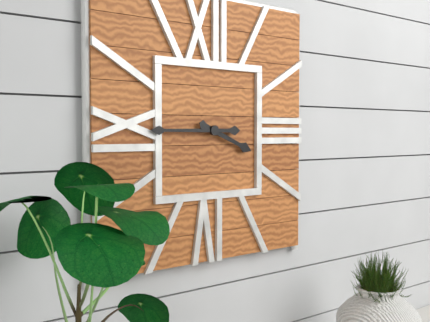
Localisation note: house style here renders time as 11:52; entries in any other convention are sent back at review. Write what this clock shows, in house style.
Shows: 3:45
